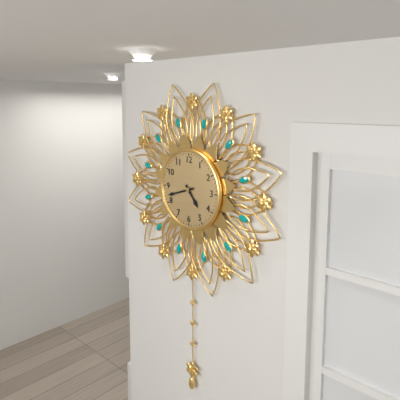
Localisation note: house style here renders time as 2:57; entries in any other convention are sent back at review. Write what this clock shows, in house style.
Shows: 4:42
